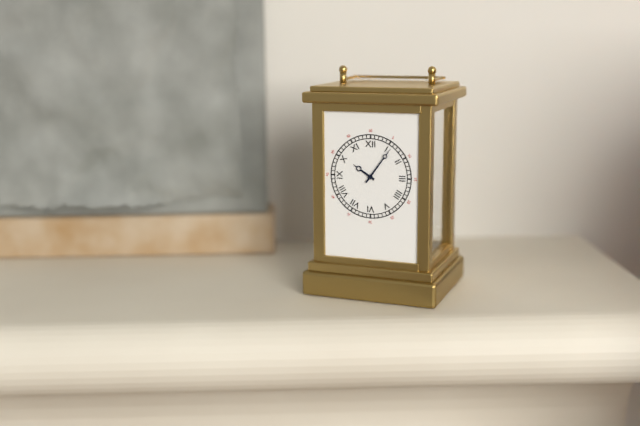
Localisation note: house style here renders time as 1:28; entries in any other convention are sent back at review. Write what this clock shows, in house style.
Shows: 10:06
